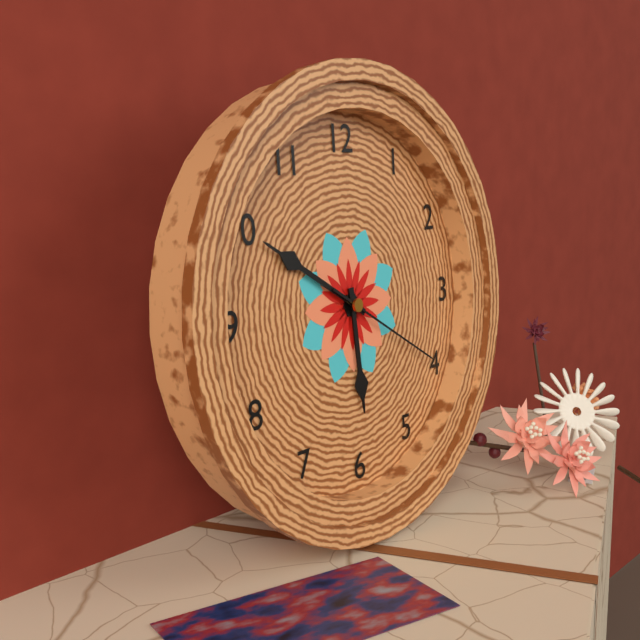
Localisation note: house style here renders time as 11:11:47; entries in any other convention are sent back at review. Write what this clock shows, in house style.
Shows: 5:50:20
